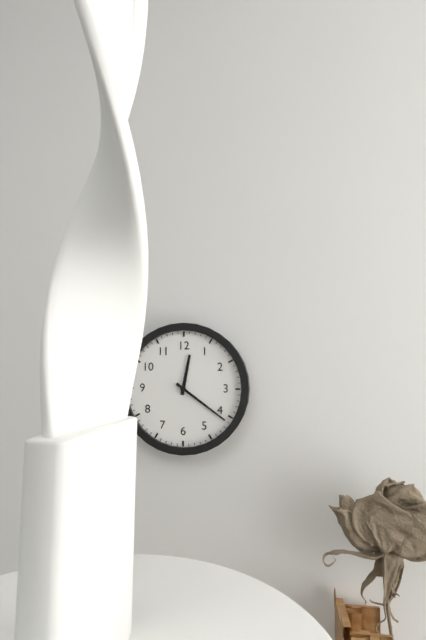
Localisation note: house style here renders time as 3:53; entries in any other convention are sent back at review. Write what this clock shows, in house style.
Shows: 12:21
